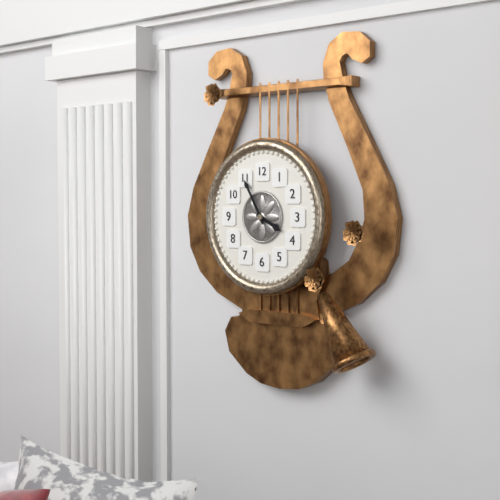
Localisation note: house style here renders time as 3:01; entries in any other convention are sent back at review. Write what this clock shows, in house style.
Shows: 3:55
